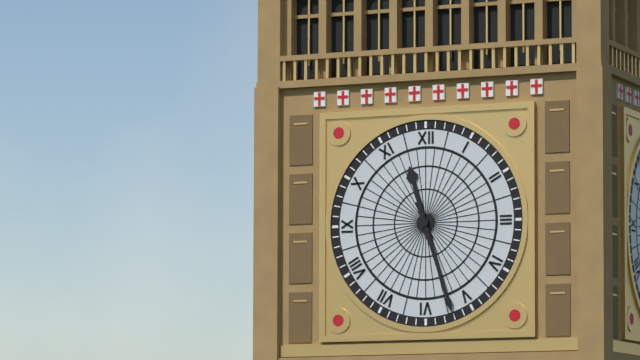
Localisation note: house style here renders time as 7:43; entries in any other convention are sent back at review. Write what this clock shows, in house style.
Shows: 11:27
